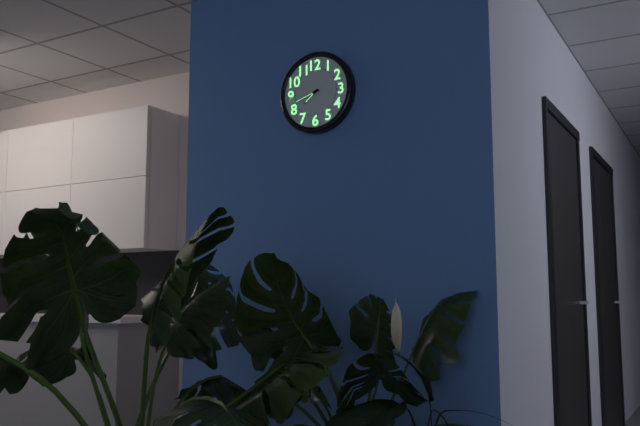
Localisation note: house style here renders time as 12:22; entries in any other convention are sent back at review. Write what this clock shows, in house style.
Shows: 7:42
